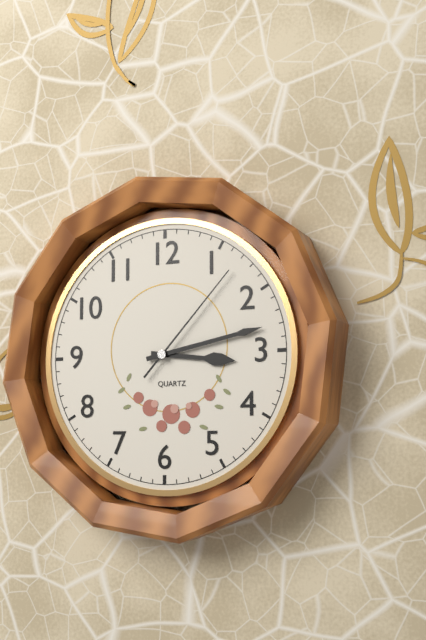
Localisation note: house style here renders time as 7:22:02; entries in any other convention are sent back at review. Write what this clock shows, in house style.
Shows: 3:13:07
